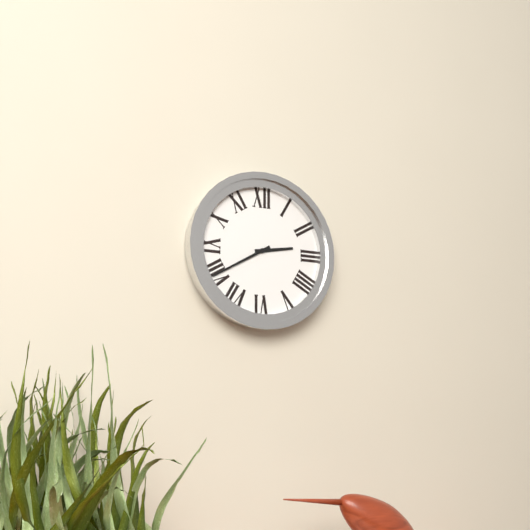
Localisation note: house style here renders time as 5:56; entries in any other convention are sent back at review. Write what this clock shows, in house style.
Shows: 2:40
